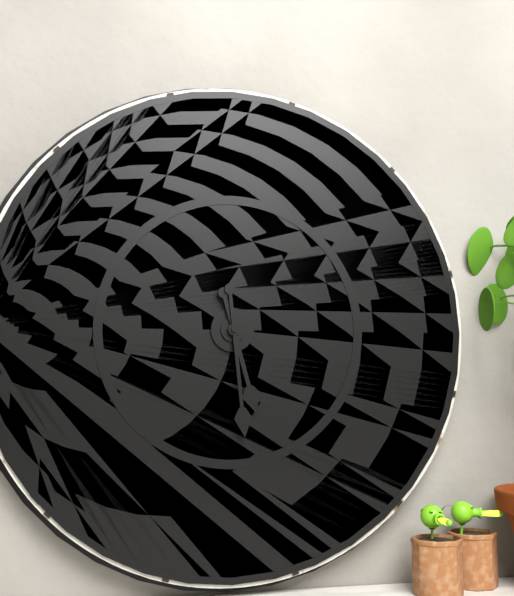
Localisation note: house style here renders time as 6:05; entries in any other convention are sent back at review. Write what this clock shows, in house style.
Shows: 5:29
